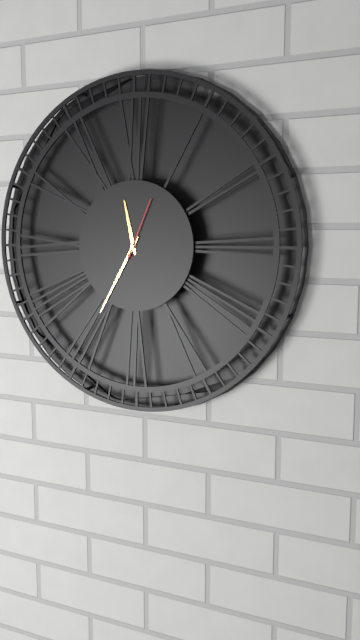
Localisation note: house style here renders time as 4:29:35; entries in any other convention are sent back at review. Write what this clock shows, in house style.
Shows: 11:35:04
